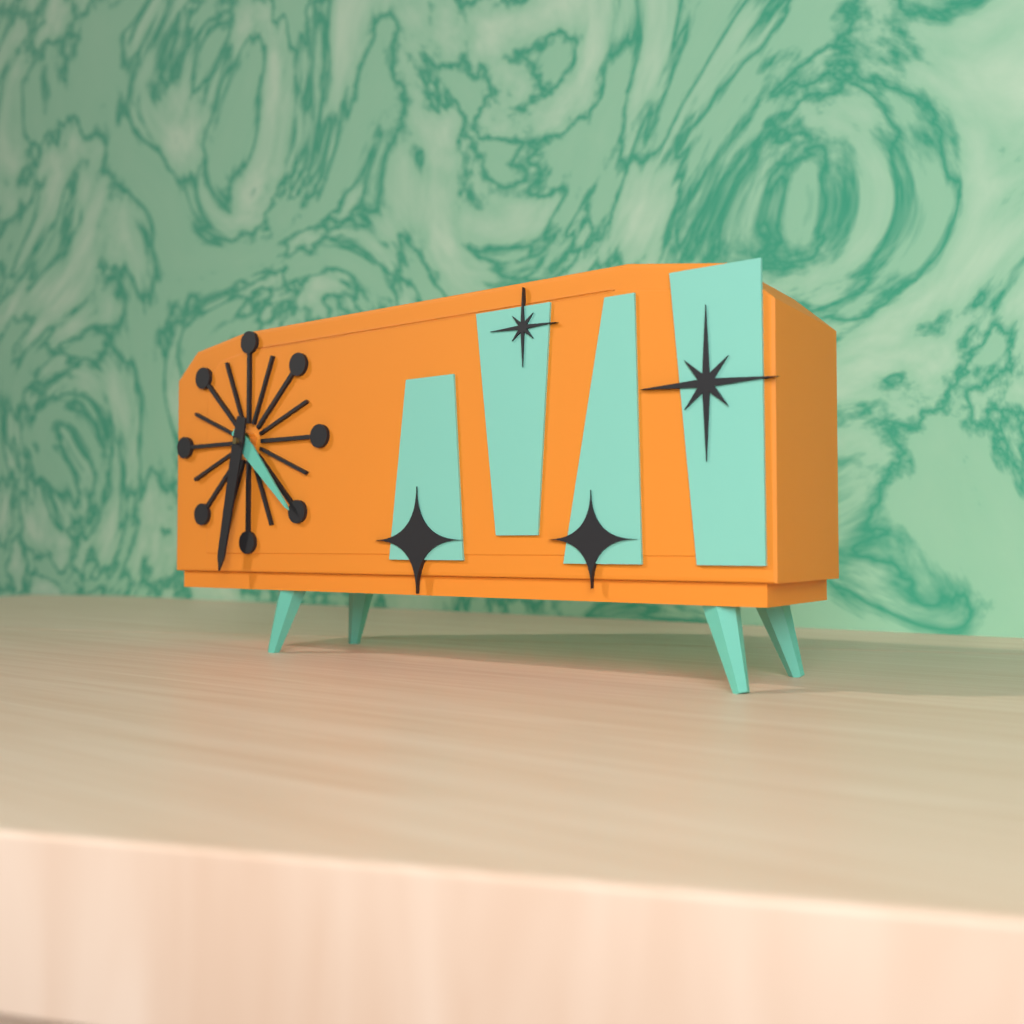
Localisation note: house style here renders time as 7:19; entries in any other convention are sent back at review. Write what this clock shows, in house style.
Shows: 4:32
